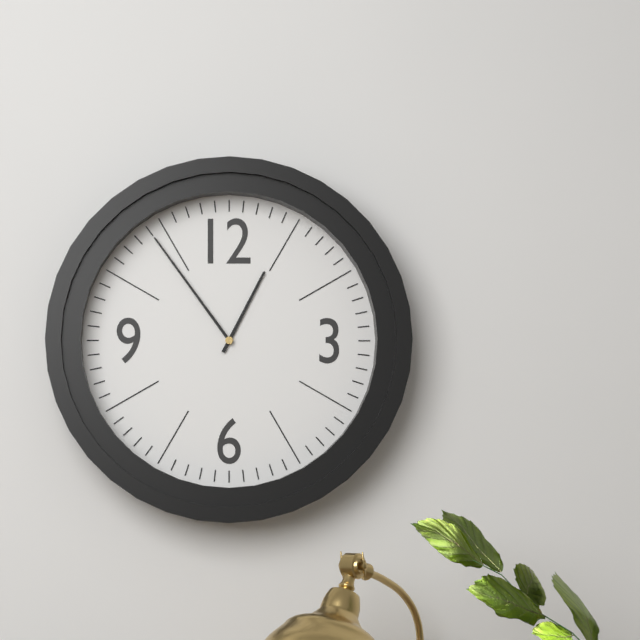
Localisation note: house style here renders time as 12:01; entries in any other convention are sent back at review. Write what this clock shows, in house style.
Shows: 12:54
